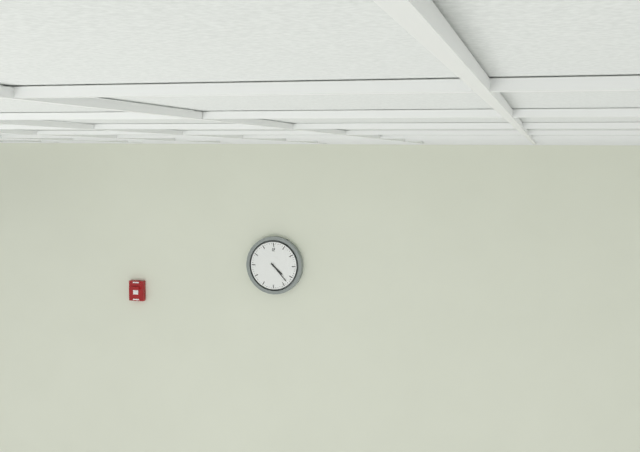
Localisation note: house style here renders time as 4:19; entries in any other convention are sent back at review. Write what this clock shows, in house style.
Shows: 4:23
